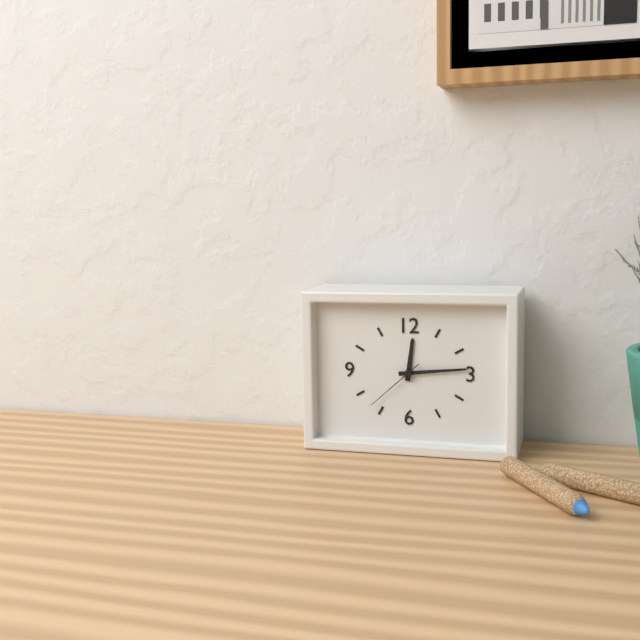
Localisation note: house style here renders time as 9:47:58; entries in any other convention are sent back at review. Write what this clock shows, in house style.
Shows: 12:14:38
